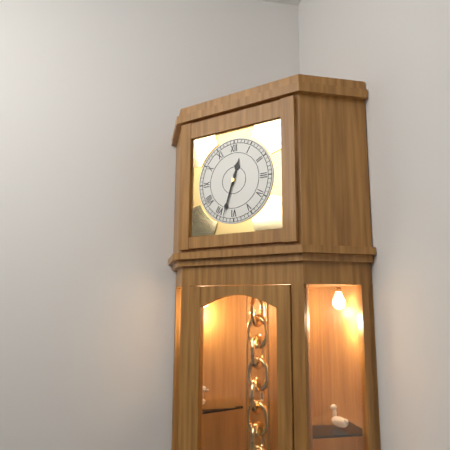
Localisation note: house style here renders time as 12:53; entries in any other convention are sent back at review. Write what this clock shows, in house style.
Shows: 12:33
